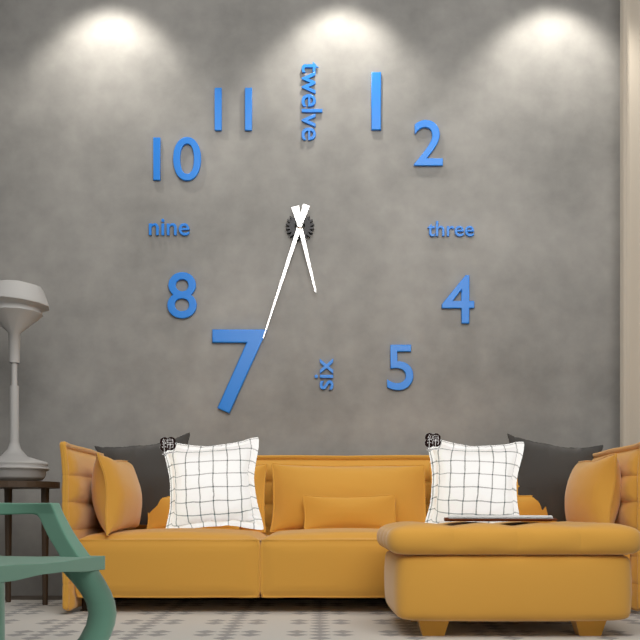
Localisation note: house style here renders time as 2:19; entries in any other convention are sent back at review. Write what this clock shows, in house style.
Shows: 5:33
